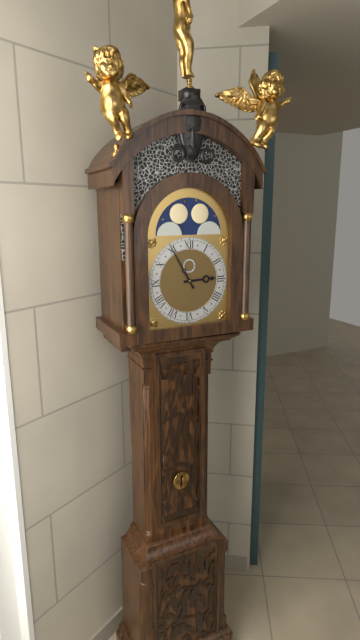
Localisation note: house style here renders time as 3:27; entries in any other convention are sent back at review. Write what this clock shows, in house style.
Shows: 2:55
